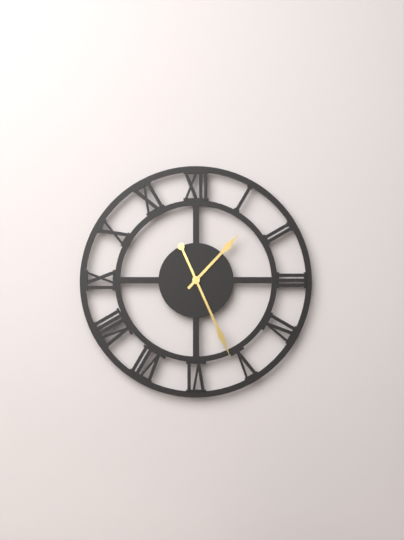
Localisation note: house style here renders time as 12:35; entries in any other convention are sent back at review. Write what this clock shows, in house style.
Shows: 1:26
